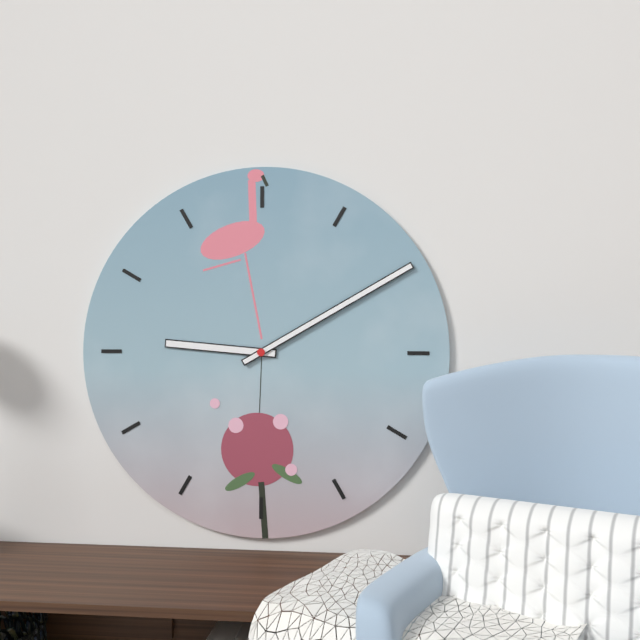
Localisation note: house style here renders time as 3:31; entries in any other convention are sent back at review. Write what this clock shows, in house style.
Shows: 9:10
